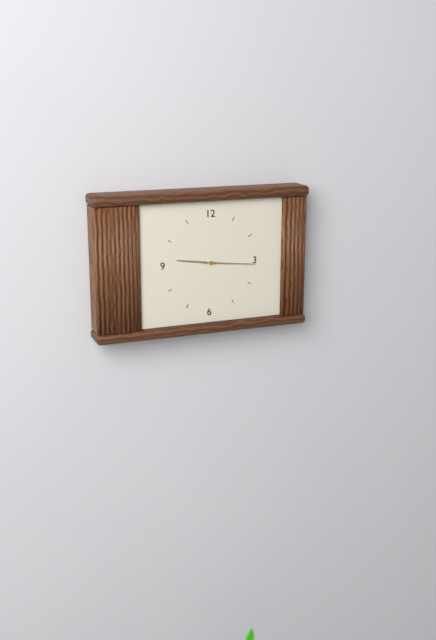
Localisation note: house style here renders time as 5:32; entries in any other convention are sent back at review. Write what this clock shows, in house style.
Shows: 9:16
